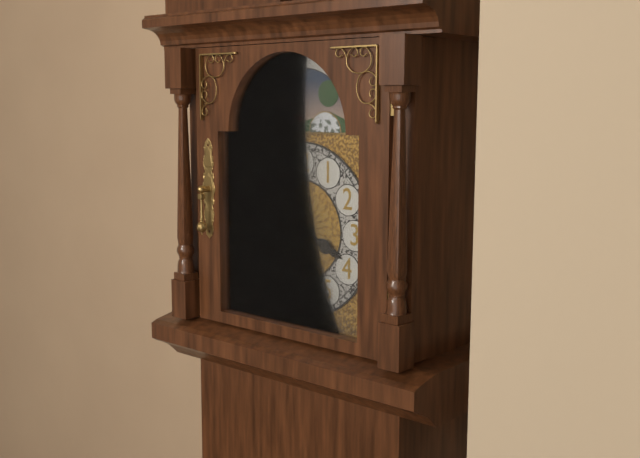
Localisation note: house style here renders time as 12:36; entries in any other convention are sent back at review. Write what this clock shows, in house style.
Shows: 3:48
